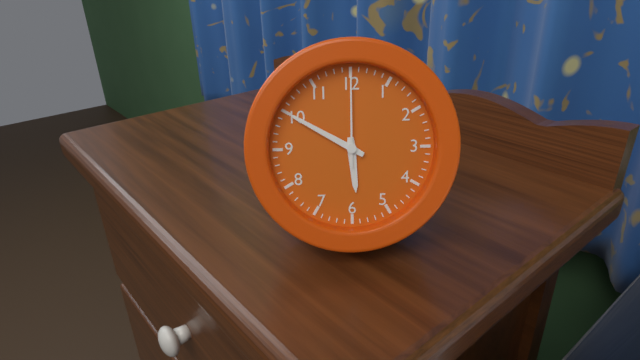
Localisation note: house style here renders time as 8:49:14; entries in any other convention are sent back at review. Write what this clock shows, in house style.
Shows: 5:50:00
